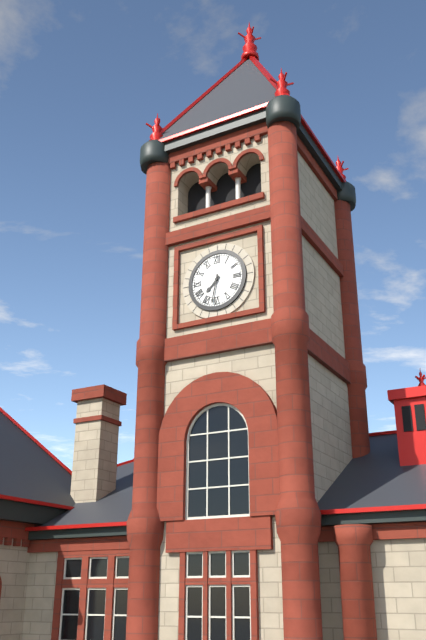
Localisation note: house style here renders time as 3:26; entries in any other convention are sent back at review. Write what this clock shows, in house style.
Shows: 7:32
